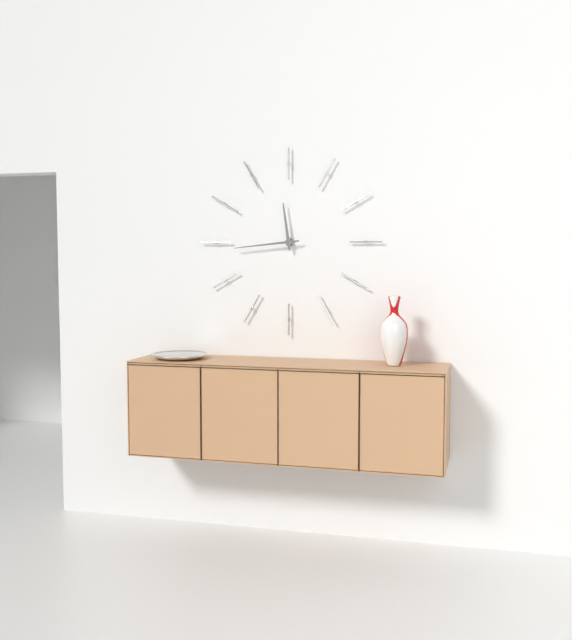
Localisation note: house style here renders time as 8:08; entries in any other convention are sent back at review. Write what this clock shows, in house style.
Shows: 11:44
